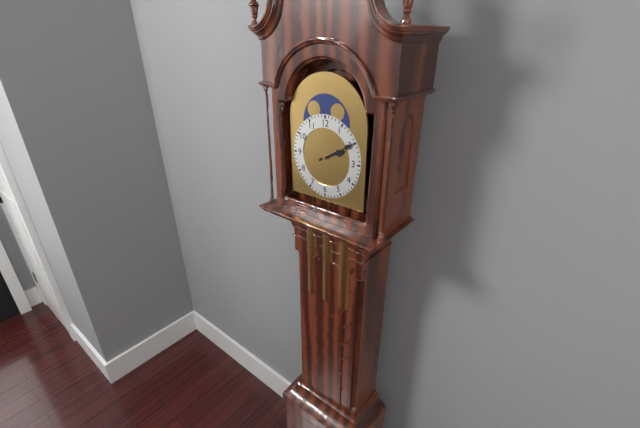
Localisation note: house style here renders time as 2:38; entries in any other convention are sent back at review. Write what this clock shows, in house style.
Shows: 2:10
